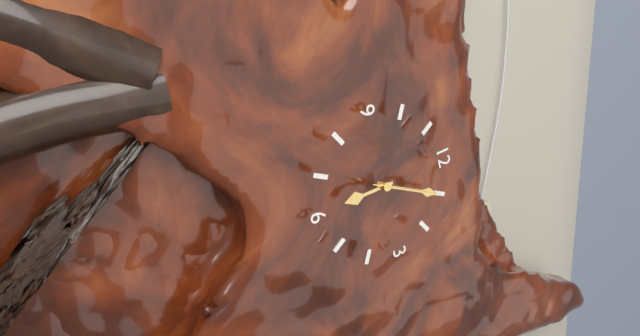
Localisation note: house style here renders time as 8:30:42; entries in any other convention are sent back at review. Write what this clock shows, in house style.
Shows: 6:05:05
